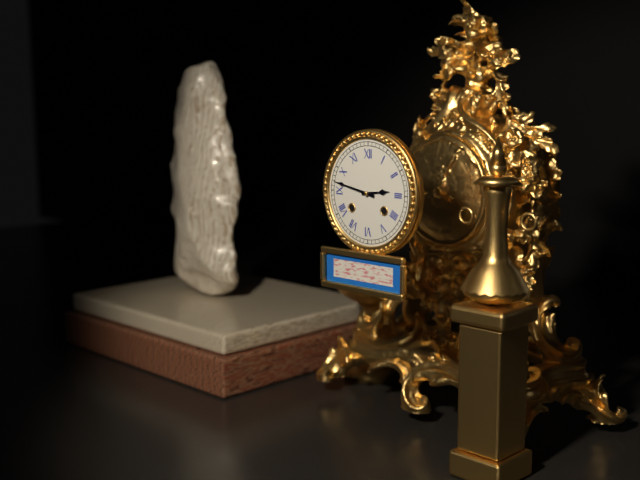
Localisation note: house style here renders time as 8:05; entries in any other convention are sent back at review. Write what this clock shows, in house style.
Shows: 2:47
